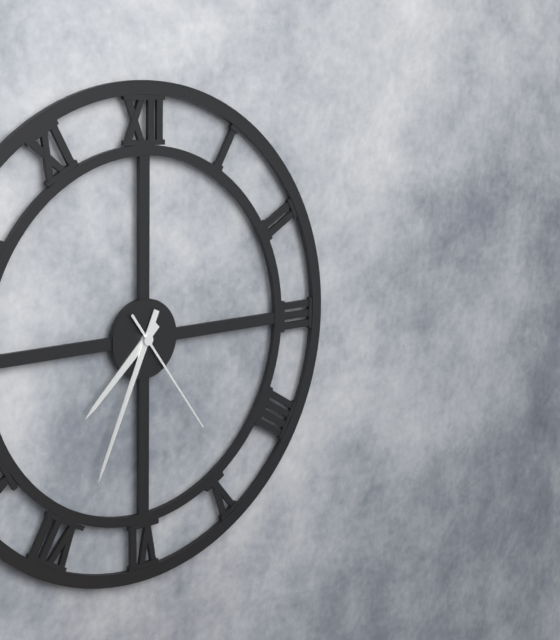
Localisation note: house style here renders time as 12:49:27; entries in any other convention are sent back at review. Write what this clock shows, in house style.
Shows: 7:34:24
